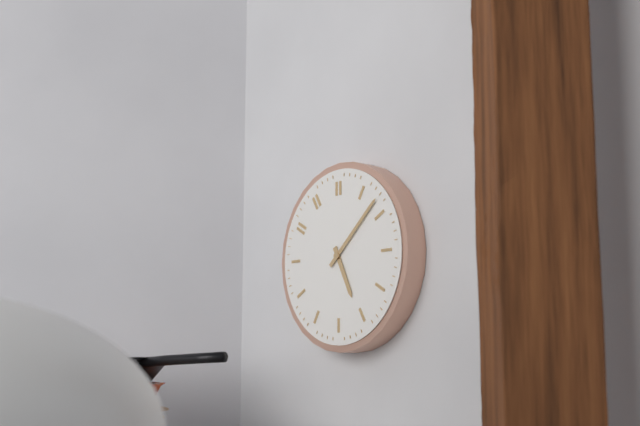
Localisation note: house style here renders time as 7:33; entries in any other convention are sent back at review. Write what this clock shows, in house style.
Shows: 5:08
